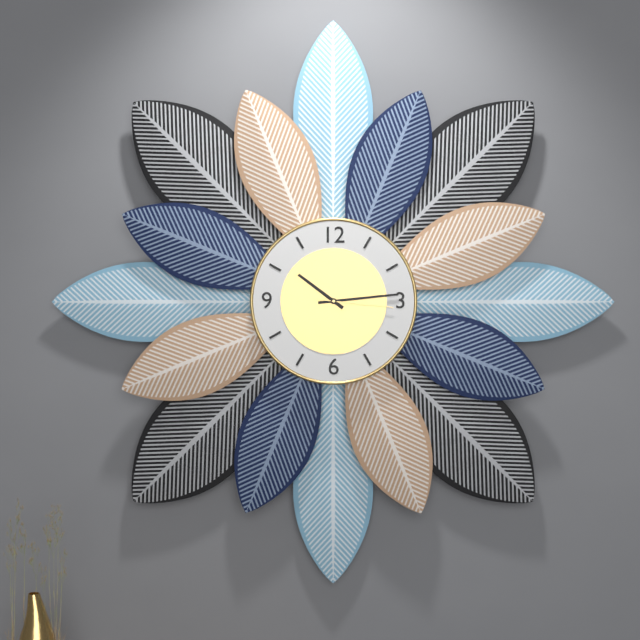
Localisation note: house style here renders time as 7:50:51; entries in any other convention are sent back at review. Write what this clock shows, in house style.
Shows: 10:14:16
